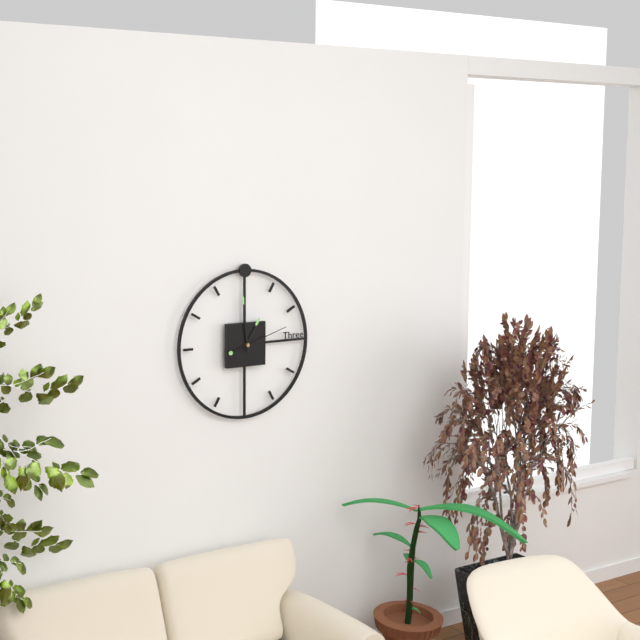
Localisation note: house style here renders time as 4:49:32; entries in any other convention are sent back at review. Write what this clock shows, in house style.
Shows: 12:59:12
